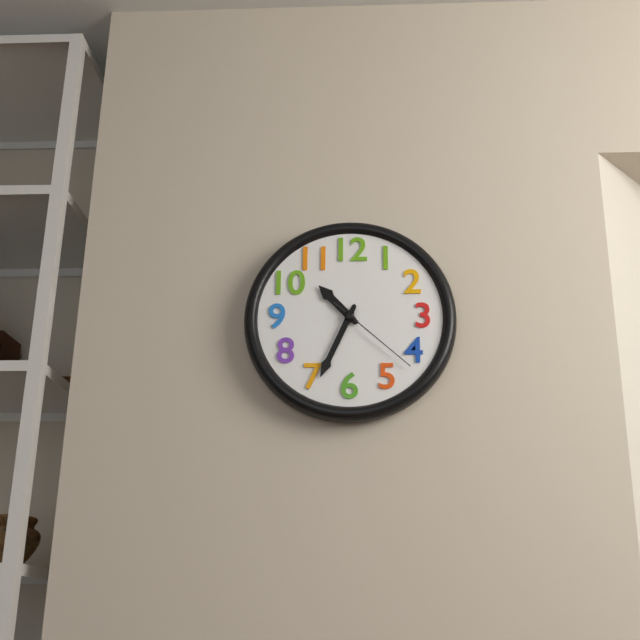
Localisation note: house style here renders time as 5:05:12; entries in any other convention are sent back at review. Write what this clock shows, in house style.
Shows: 10:34:22
